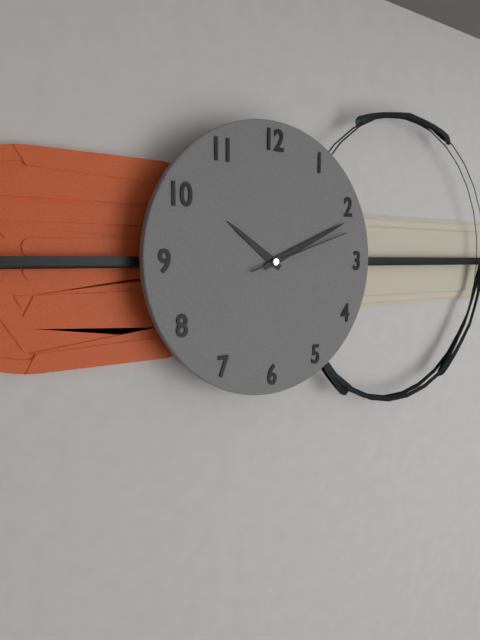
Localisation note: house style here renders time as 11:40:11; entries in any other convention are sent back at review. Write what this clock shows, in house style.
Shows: 10:11:12
